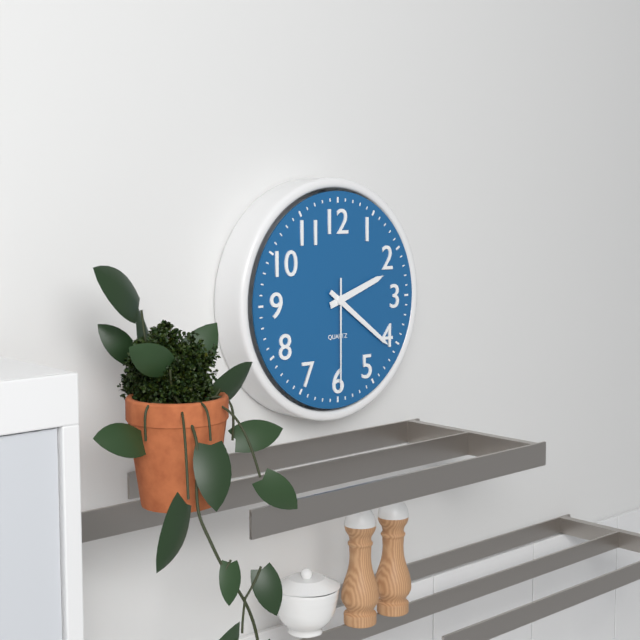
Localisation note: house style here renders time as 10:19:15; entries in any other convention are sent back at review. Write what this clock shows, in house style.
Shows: 2:21:30
